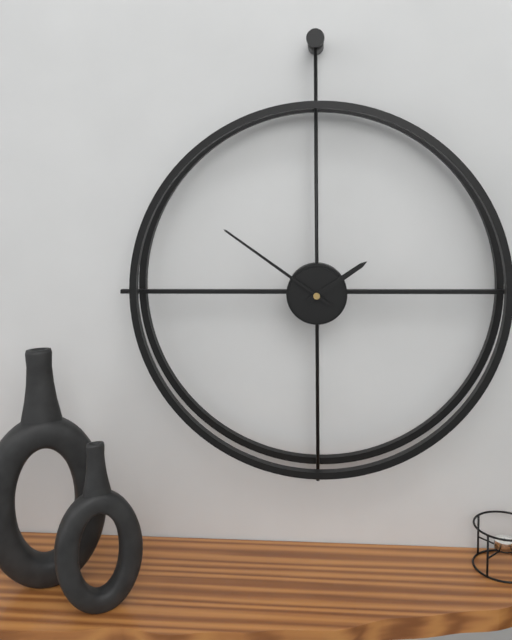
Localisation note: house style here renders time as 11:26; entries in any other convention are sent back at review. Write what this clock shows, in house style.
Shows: 1:51
